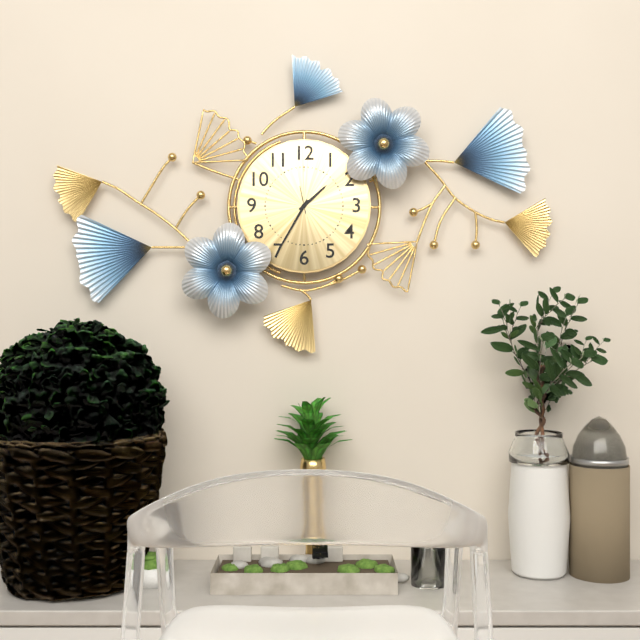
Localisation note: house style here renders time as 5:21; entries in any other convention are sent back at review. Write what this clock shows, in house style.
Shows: 1:35
